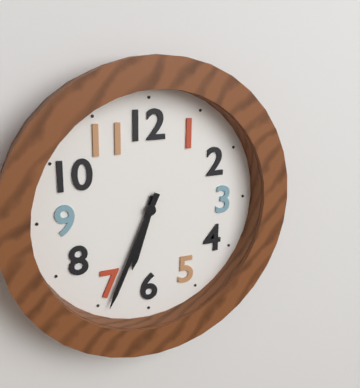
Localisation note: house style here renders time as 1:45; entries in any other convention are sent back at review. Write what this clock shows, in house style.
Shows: 6:34
